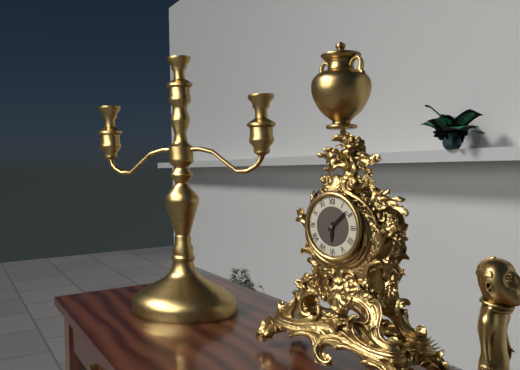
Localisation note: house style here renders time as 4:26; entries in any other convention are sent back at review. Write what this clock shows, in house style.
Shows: 6:08
